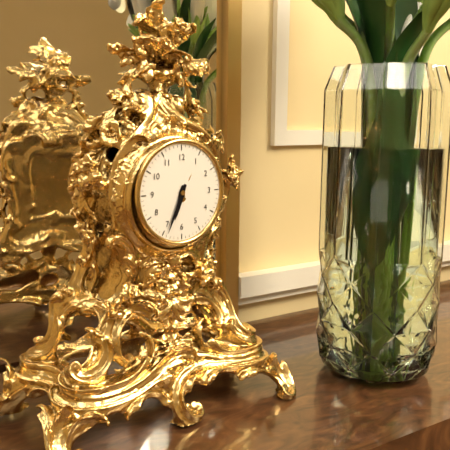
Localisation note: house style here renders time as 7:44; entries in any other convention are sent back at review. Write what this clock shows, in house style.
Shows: 6:34
